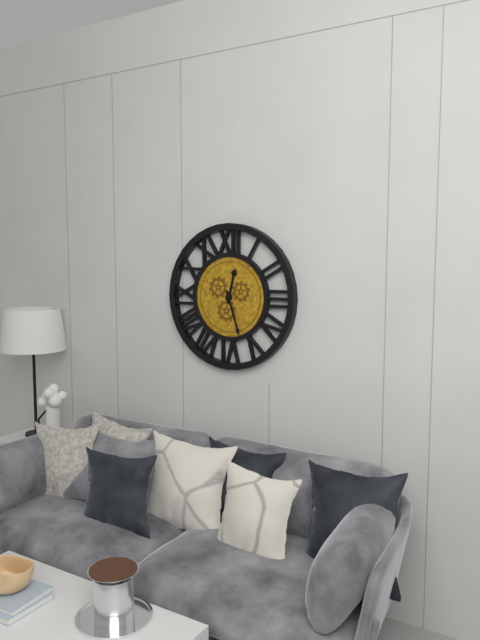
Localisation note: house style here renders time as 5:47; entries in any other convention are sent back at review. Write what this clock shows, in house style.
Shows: 12:27
